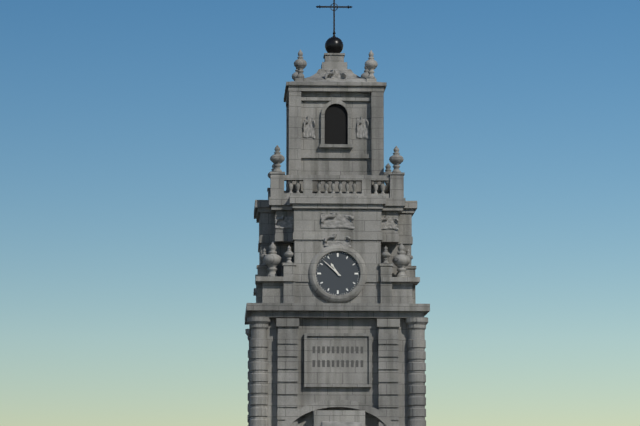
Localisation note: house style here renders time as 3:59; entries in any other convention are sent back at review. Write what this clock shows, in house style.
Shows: 10:52
